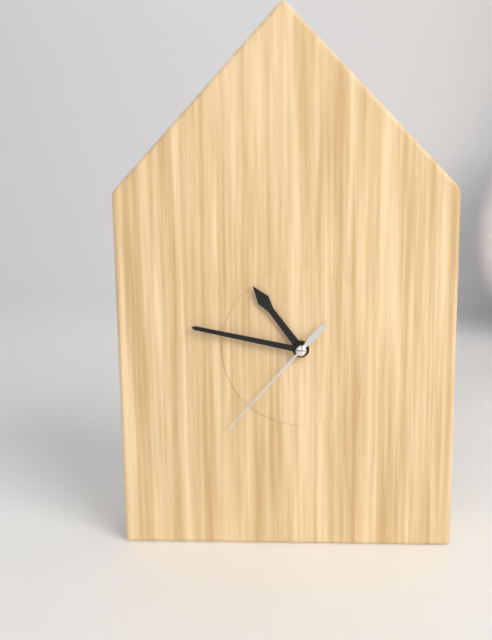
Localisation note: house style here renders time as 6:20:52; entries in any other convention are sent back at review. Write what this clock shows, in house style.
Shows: 10:47:37
